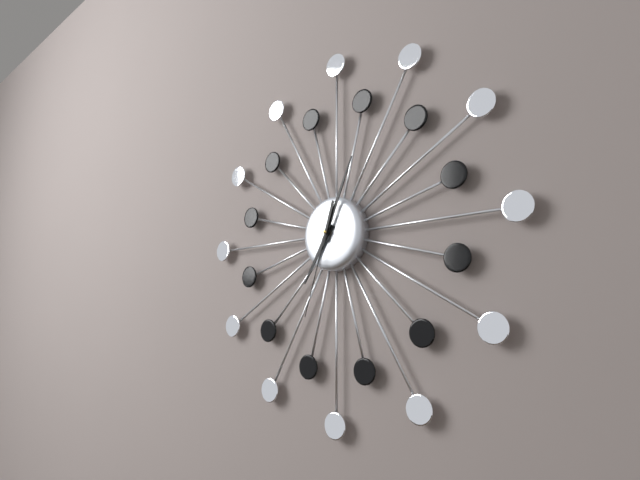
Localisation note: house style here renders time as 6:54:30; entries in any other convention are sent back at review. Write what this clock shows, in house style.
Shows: 7:04:33
